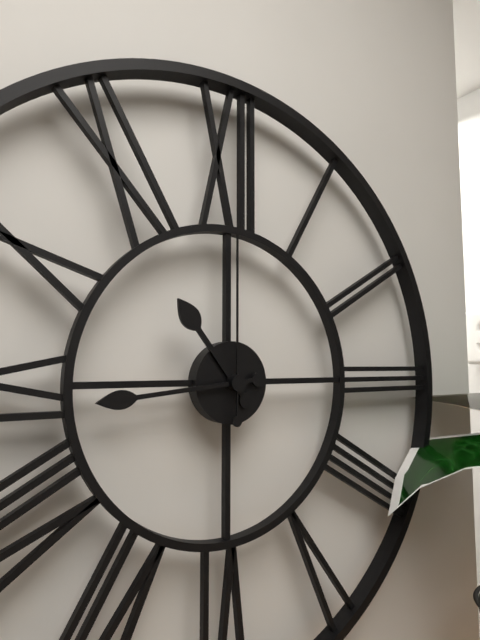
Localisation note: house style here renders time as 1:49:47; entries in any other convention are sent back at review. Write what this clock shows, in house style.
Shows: 10:44:00
